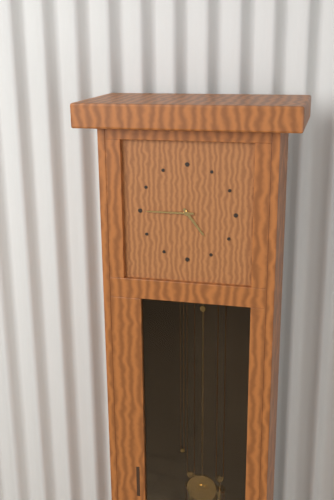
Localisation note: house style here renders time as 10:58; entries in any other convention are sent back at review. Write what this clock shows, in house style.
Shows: 4:45
